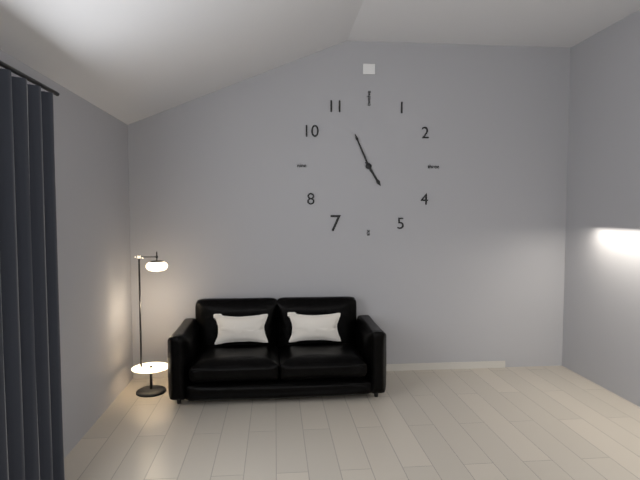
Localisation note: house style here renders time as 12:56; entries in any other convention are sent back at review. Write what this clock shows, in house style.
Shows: 4:56
